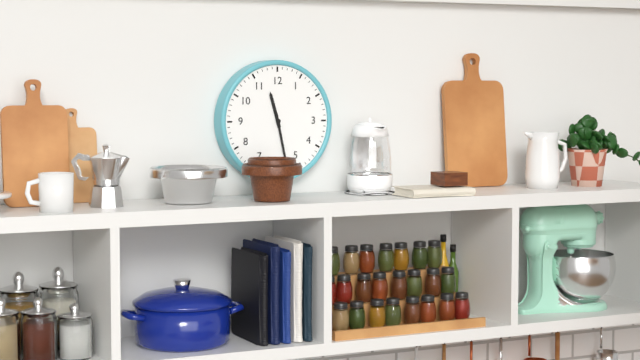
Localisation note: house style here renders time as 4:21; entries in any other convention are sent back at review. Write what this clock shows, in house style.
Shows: 11:28
